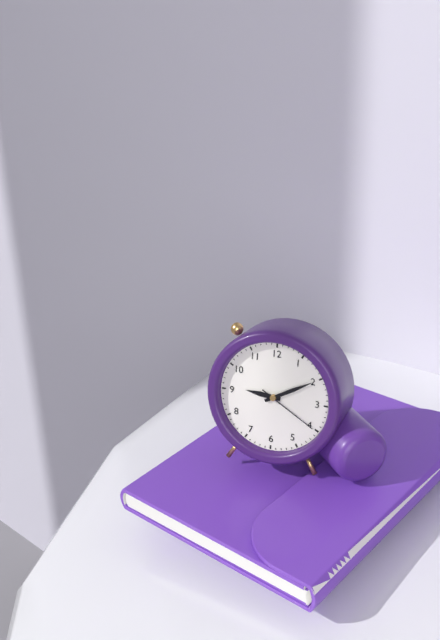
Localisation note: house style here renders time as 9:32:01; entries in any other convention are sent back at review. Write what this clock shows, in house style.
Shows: 9:10:20
